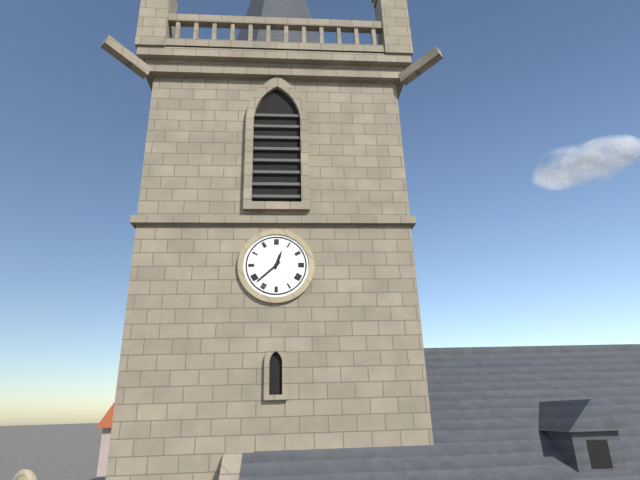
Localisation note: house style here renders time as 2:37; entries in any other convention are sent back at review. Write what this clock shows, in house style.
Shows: 12:38
